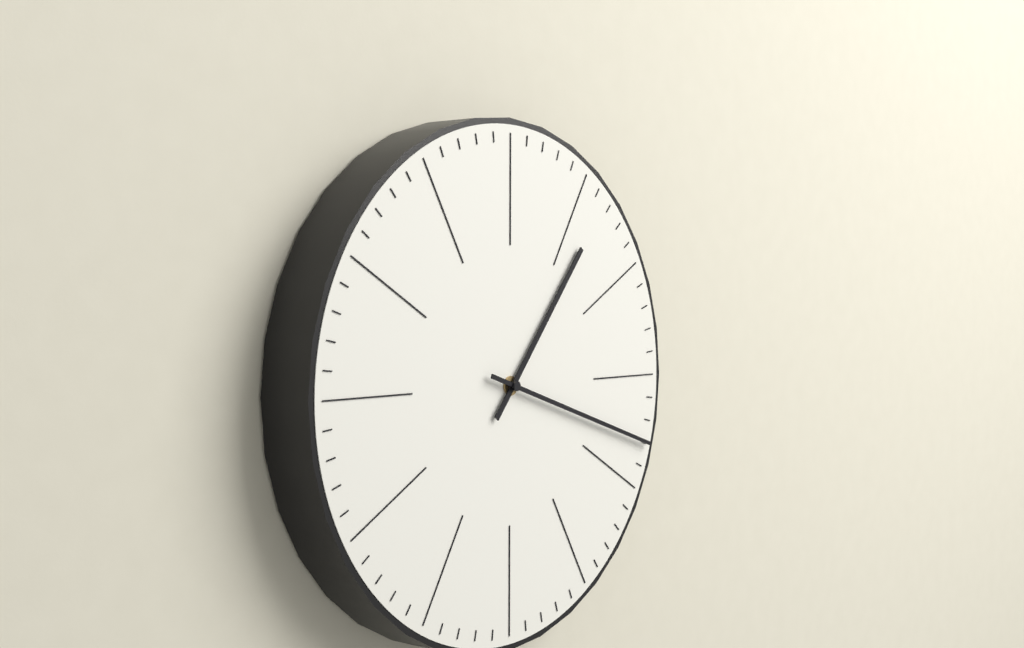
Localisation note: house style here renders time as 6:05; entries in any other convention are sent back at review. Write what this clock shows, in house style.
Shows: 1:18
